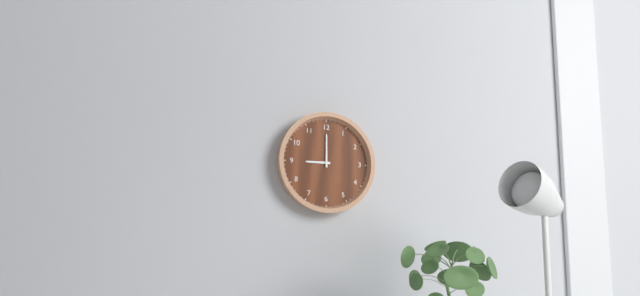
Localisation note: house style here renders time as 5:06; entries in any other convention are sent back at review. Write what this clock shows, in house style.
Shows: 9:00
